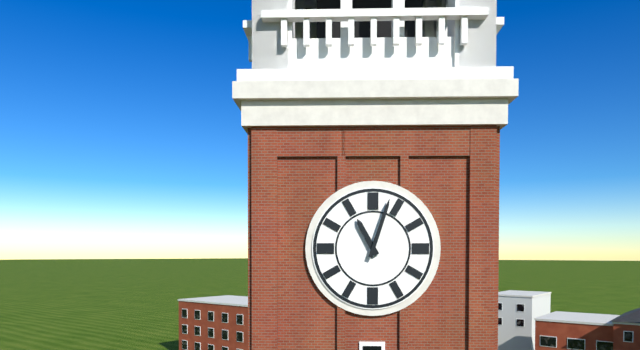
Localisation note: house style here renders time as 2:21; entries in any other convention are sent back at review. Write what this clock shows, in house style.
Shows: 11:03
